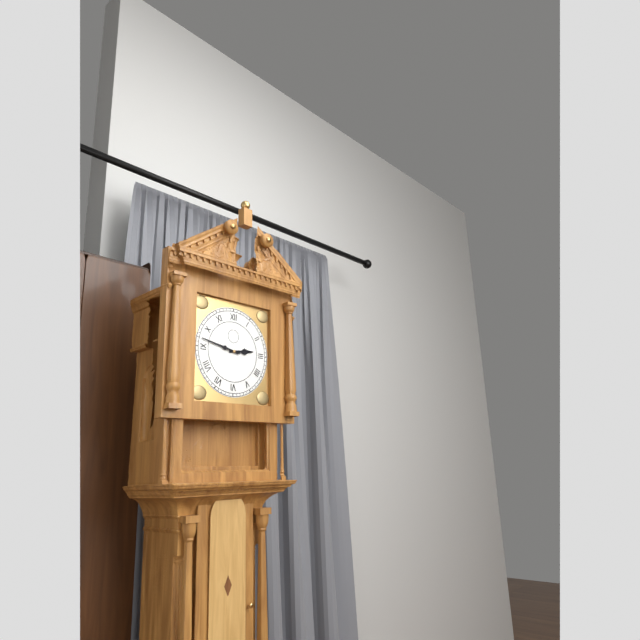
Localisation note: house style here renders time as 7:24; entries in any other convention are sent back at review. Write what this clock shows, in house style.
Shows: 2:47
